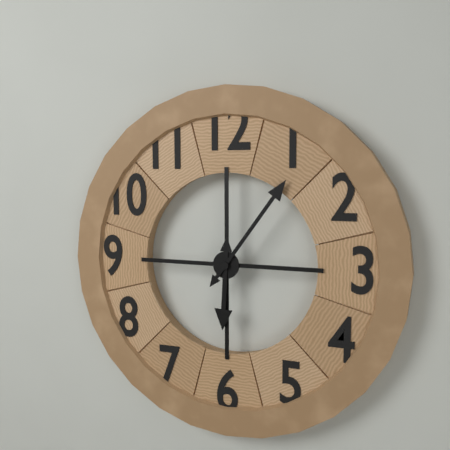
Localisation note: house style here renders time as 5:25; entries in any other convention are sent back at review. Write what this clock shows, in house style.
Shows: 6:06
